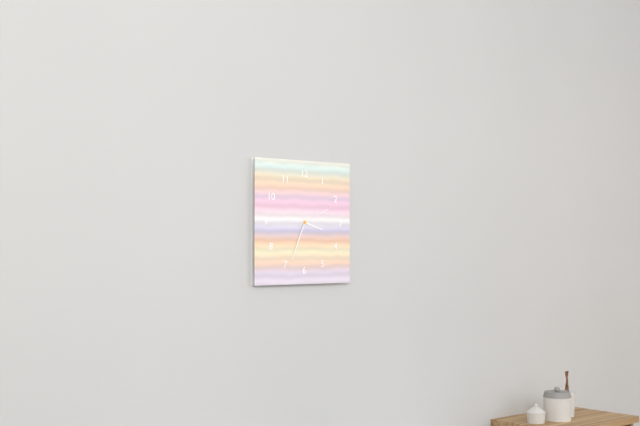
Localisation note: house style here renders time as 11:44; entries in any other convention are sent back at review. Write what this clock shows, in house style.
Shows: 3:34
